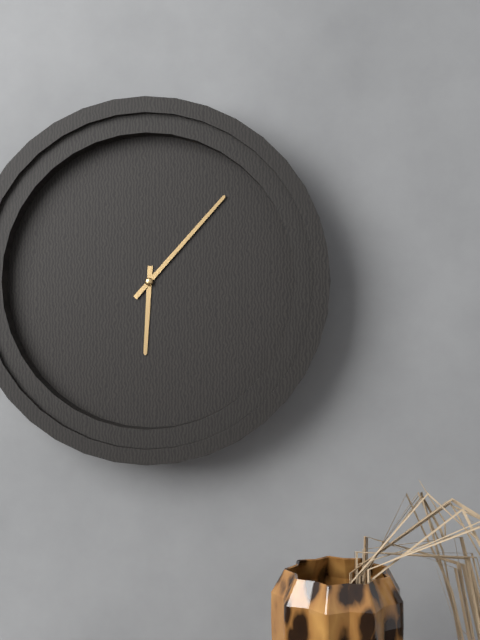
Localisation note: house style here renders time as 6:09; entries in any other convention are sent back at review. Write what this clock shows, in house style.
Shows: 6:07
